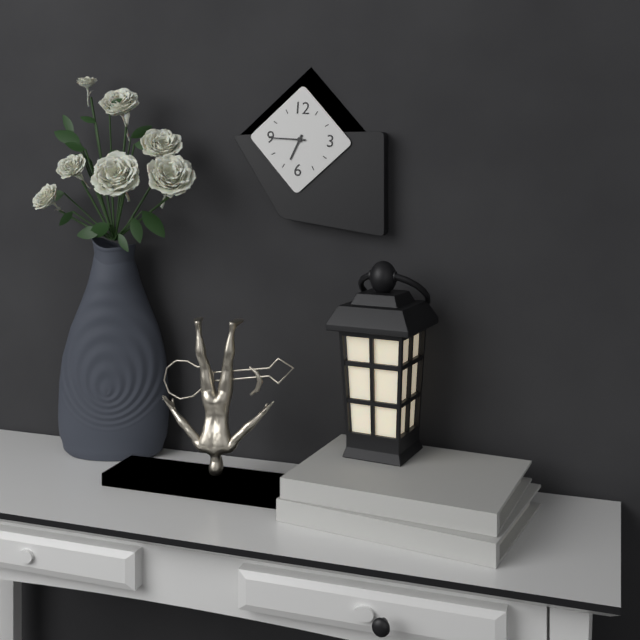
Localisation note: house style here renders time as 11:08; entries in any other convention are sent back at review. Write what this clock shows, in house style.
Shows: 6:45
